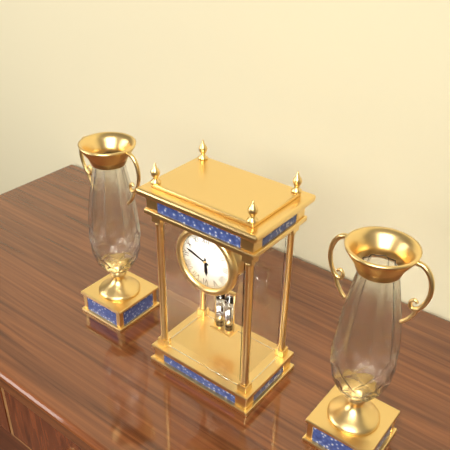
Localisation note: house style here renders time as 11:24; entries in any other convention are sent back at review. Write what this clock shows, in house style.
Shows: 5:48
